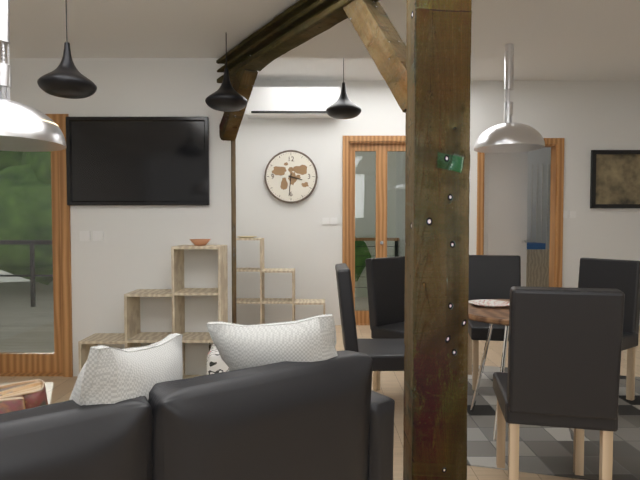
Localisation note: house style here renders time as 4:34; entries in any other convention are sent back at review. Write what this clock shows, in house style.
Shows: 3:31
